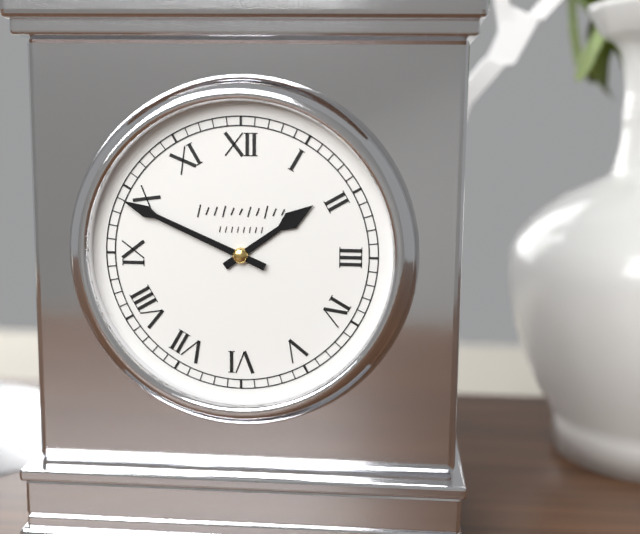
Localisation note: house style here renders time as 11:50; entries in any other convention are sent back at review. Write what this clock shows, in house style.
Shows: 1:49
